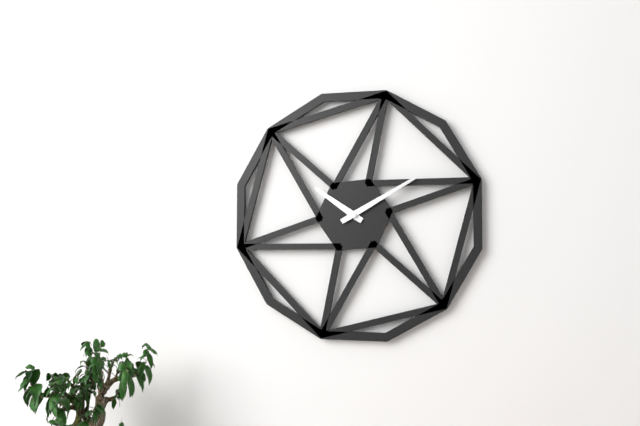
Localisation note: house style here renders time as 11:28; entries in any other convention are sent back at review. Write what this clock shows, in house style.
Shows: 10:10
